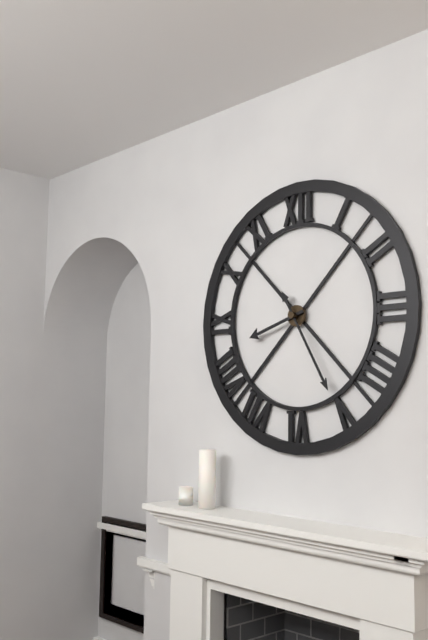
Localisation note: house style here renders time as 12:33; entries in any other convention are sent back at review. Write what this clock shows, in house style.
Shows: 8:25
